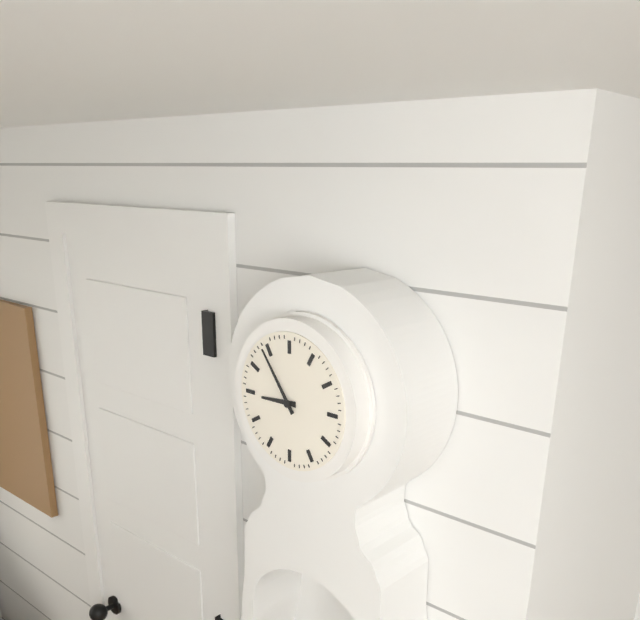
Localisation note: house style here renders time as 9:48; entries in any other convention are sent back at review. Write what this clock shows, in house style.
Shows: 8:54
